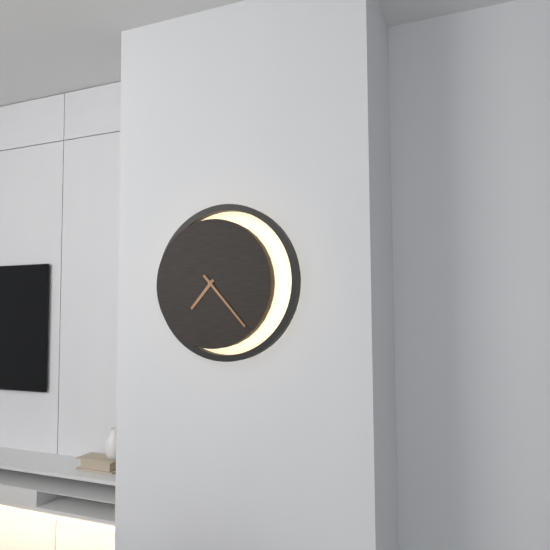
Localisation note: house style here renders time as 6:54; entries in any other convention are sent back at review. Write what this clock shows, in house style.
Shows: 7:23
